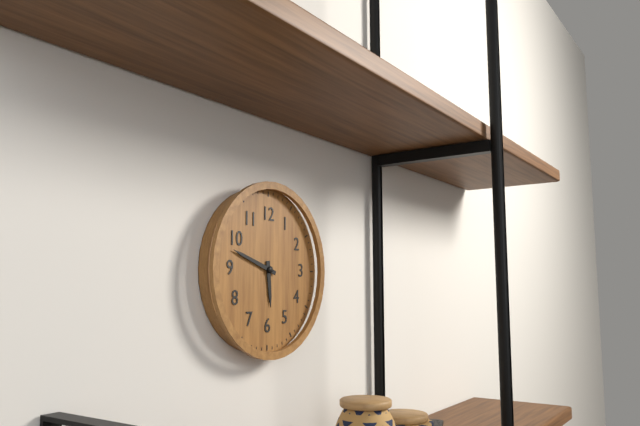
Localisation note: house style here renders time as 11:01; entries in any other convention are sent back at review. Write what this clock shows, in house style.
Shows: 5:48
